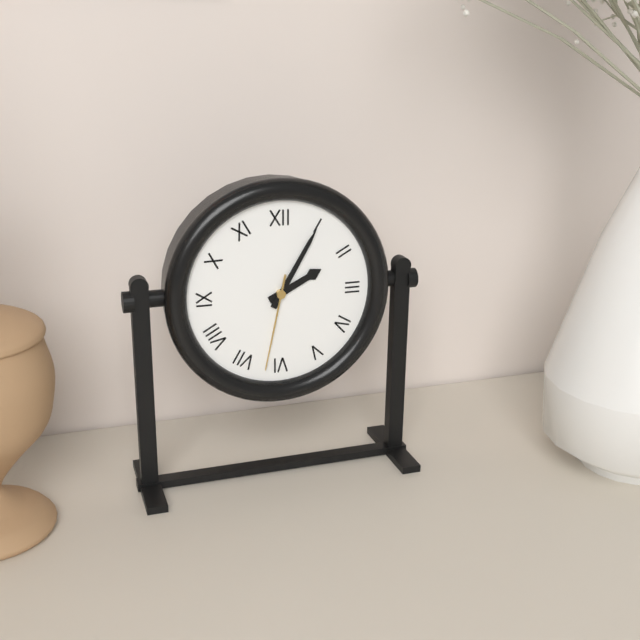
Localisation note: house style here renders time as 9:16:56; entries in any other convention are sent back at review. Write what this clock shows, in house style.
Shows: 2:05:32
